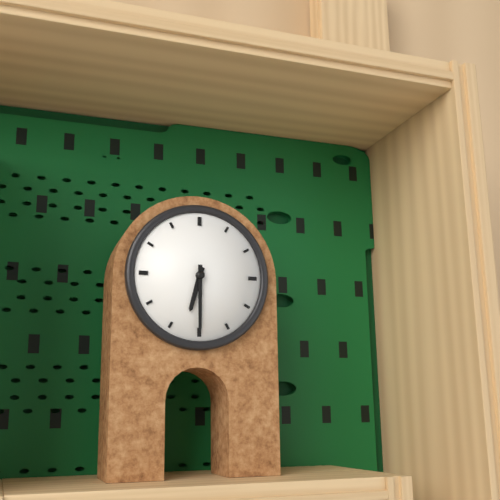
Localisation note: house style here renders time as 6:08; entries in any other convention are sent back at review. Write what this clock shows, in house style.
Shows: 6:30
